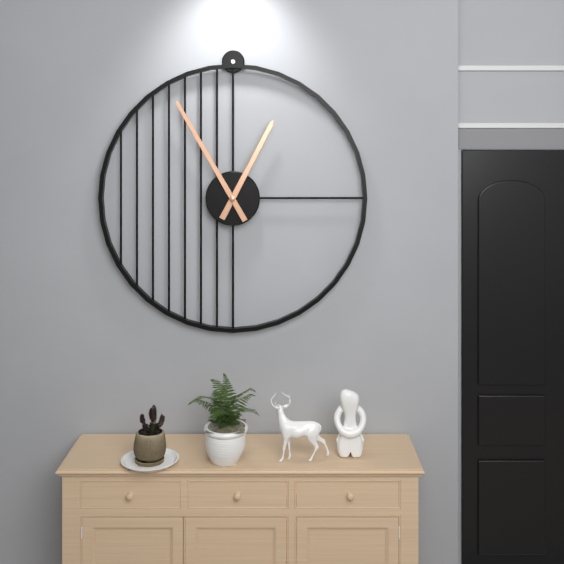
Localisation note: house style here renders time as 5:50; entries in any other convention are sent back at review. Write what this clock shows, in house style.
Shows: 12:55
